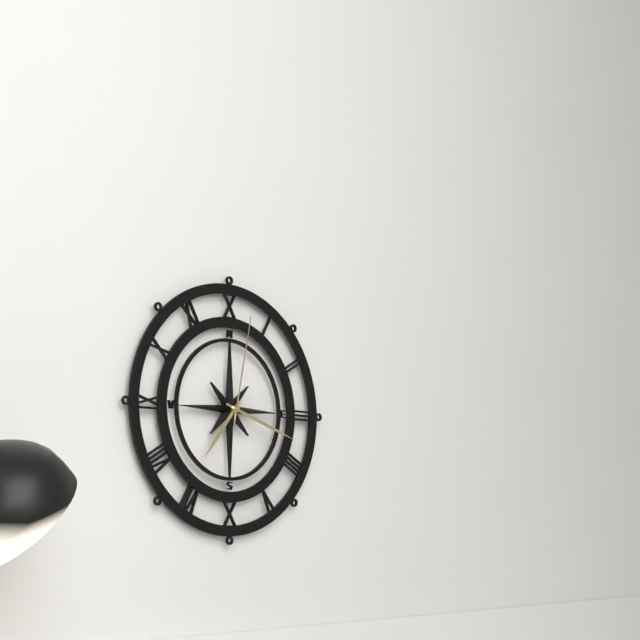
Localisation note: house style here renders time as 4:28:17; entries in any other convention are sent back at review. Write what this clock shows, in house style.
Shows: 7:18:02
